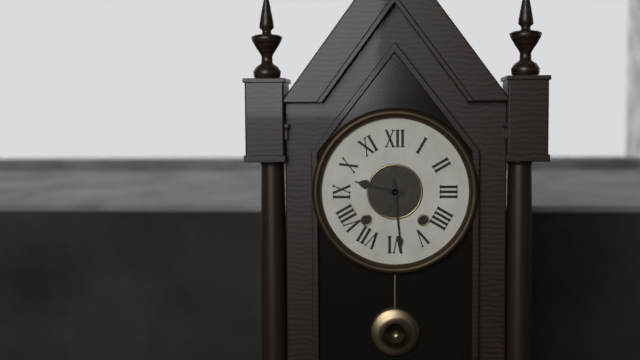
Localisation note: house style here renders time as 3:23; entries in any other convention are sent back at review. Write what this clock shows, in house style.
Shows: 9:29
